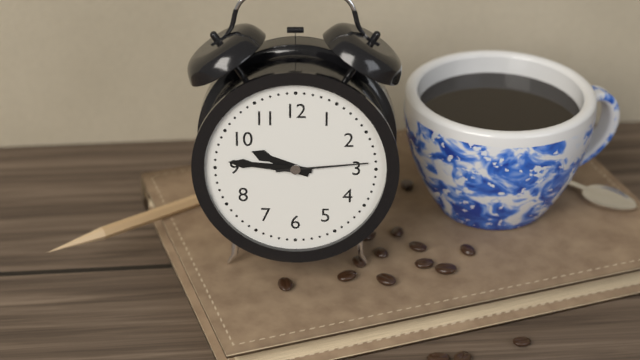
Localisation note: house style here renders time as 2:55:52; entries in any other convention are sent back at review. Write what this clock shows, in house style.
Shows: 9:46:14
